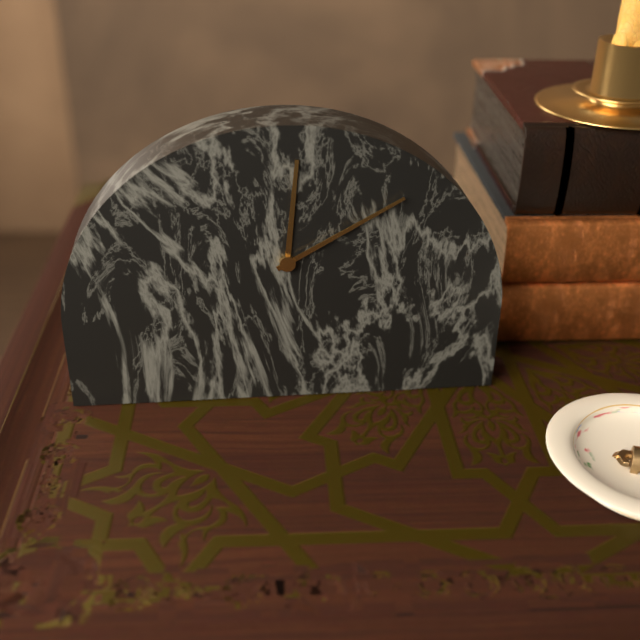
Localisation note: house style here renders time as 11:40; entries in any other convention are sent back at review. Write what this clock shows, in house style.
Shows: 12:10
